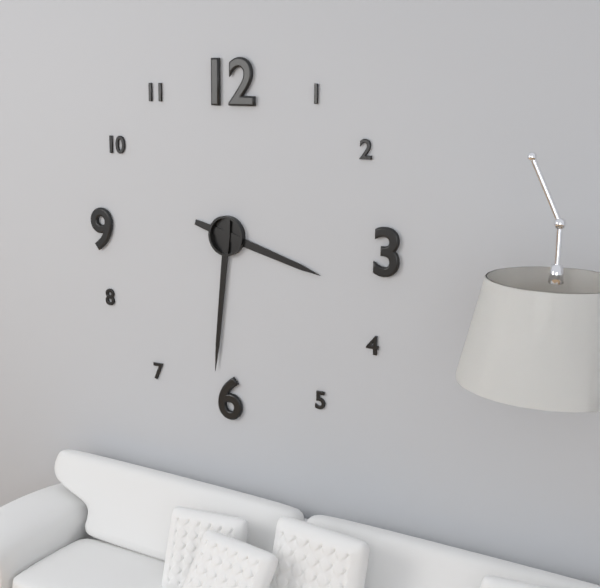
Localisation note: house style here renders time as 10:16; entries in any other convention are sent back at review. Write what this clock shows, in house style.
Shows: 3:31
